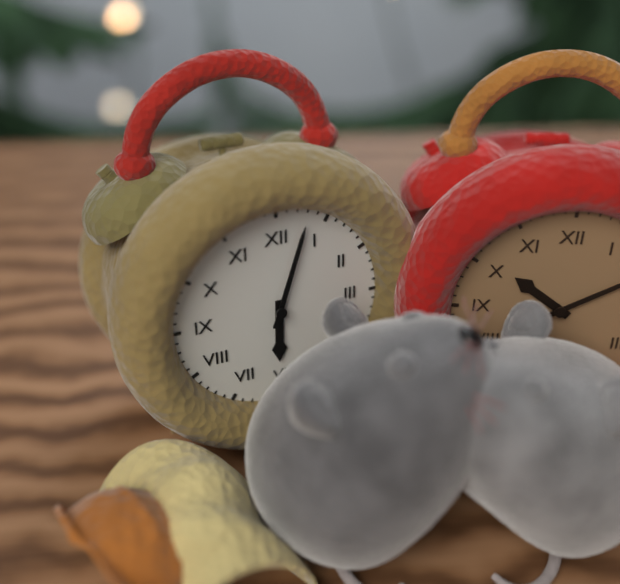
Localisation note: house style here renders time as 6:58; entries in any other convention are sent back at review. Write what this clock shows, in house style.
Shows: 6:03
